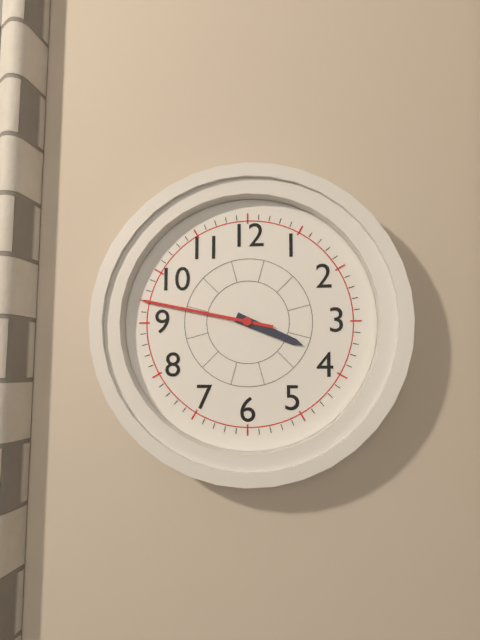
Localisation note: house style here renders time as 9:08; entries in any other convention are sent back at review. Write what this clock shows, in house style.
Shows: 3:47
